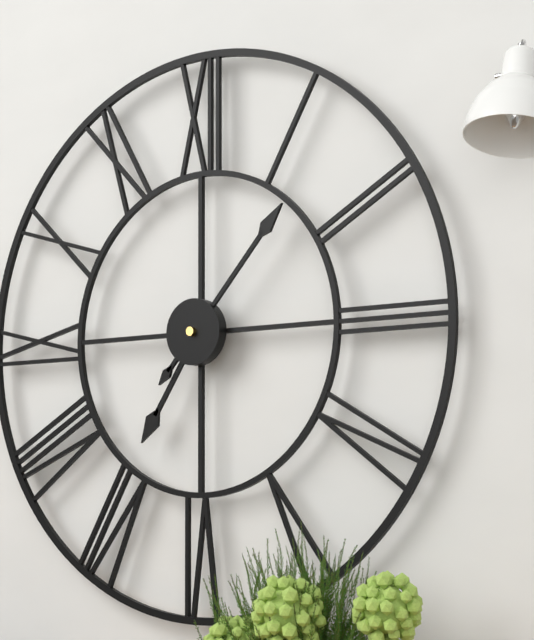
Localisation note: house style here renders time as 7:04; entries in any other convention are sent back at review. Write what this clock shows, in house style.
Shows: 7:07
